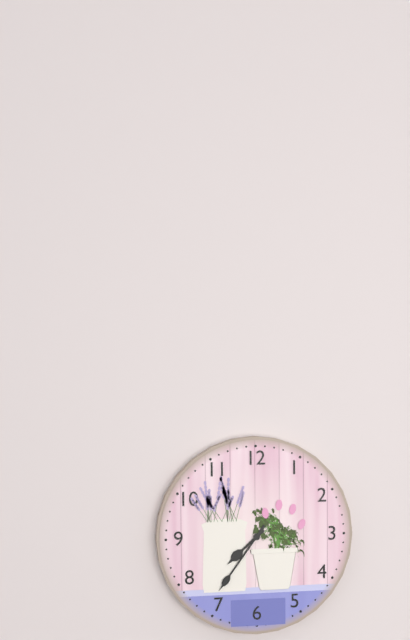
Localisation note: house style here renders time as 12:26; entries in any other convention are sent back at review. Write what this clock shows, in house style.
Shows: 7:36
